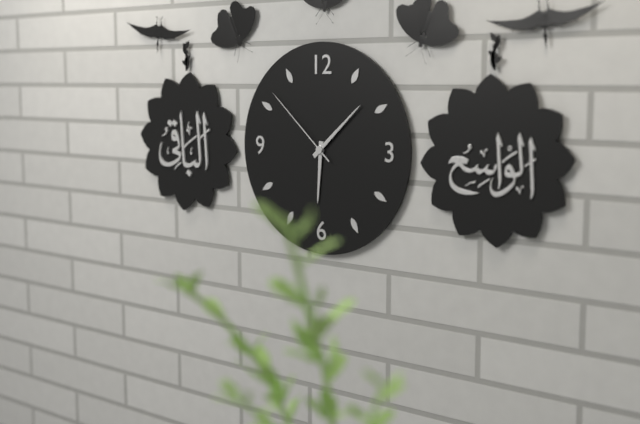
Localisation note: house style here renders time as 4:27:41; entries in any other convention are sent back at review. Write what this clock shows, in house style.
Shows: 6:08:52
